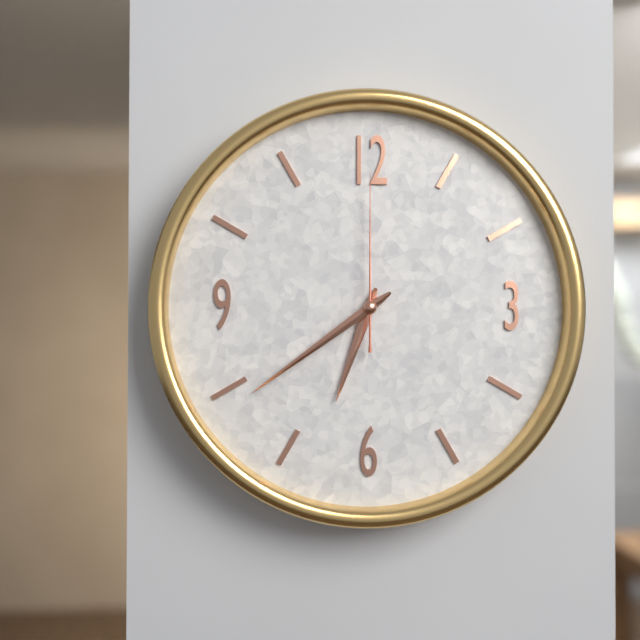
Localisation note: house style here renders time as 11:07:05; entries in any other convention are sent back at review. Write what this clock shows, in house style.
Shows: 6:39:00
